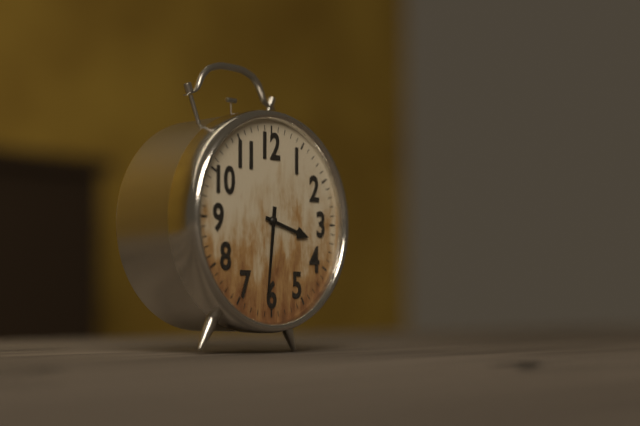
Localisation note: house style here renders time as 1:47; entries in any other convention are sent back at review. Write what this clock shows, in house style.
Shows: 3:31
